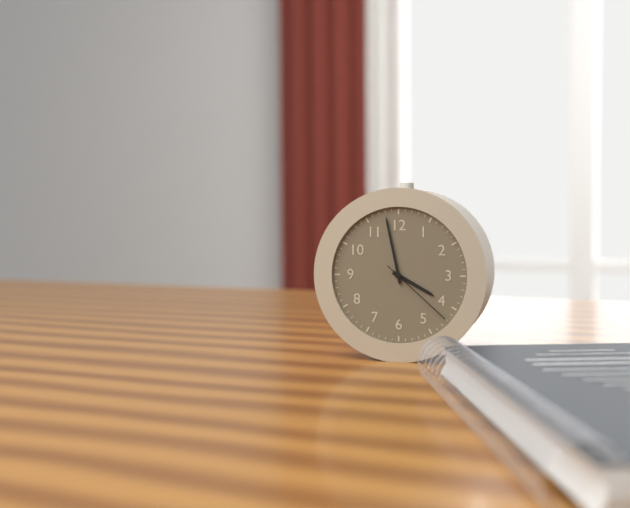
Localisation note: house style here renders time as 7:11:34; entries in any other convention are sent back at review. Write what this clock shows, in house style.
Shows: 3:58:22
